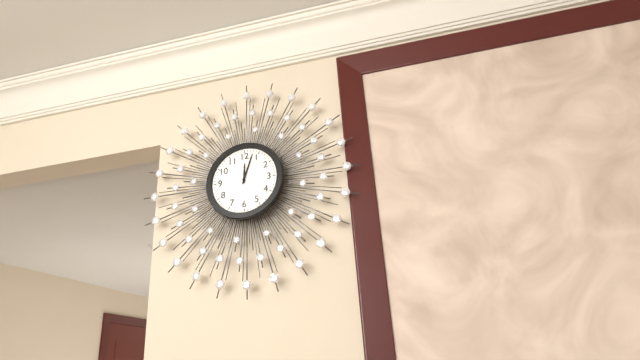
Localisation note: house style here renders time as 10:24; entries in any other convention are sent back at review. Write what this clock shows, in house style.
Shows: 12:03
